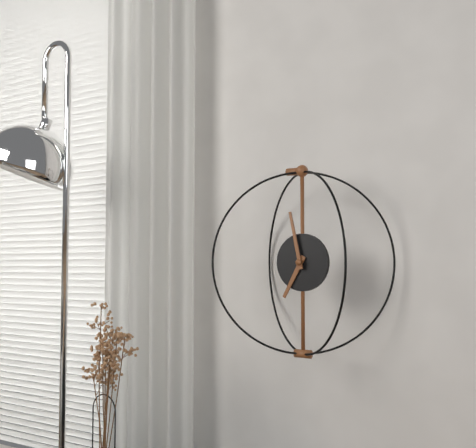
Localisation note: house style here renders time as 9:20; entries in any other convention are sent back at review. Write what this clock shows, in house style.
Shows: 6:58
